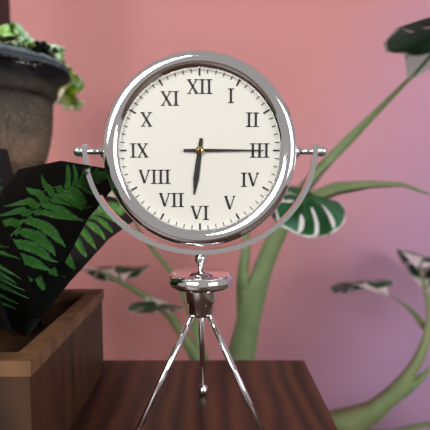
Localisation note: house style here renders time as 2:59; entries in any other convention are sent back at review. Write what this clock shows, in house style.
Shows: 6:15
